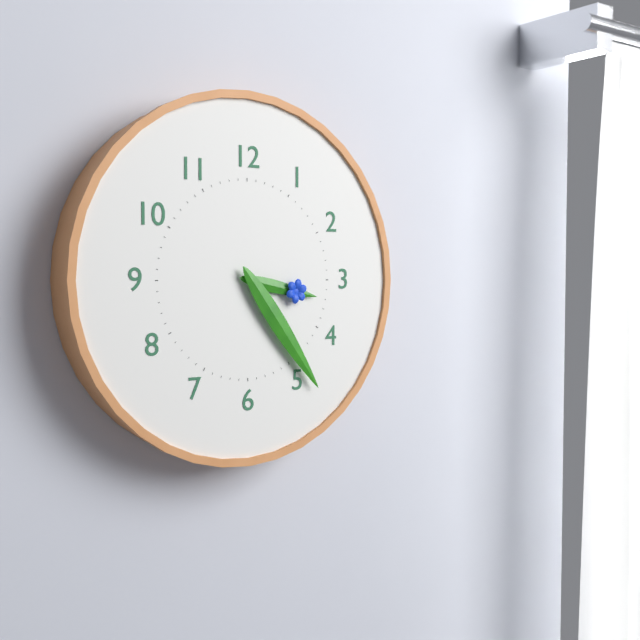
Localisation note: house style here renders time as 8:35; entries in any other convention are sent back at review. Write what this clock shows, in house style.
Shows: 3:24
